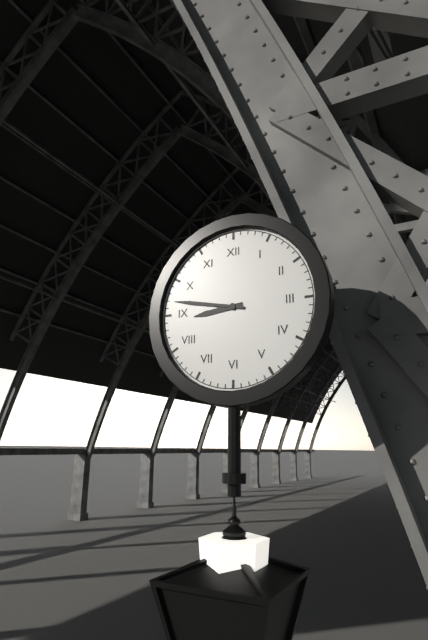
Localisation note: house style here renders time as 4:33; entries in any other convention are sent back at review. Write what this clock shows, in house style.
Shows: 8:47
